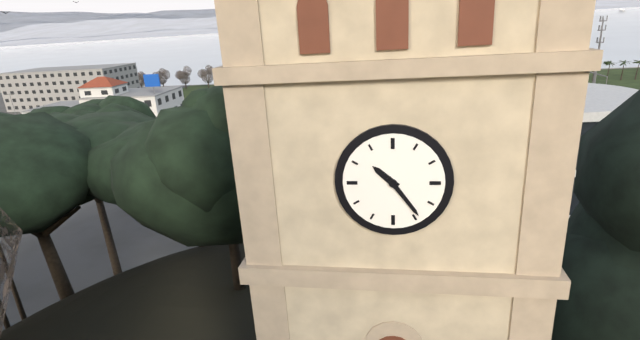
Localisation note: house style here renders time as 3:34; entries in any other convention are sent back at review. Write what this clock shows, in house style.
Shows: 10:24
